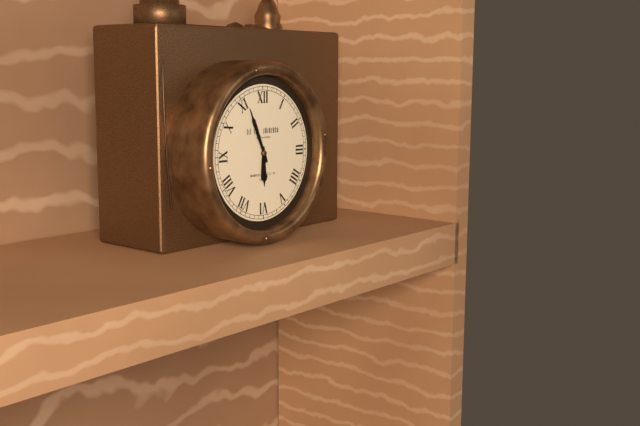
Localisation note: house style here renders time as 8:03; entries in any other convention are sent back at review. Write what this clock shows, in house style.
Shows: 5:56
